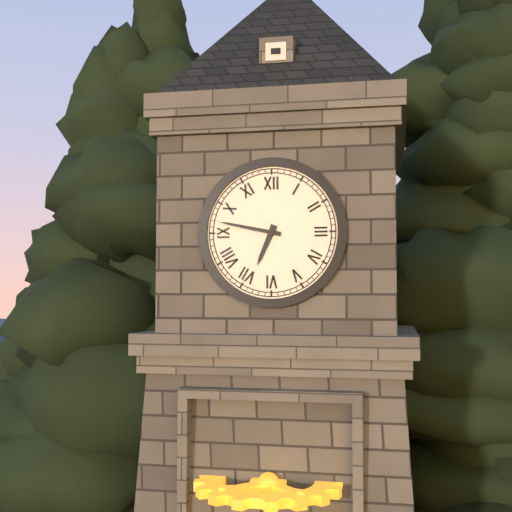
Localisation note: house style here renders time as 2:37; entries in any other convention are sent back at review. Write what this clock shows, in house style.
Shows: 6:47
